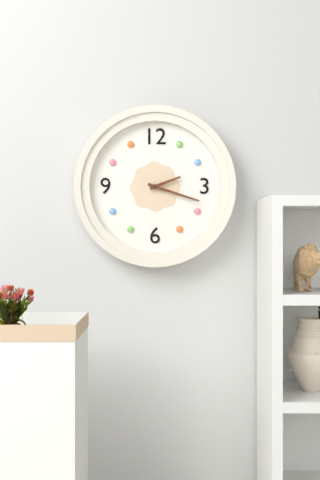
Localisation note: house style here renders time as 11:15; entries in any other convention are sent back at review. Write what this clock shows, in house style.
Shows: 2:18
